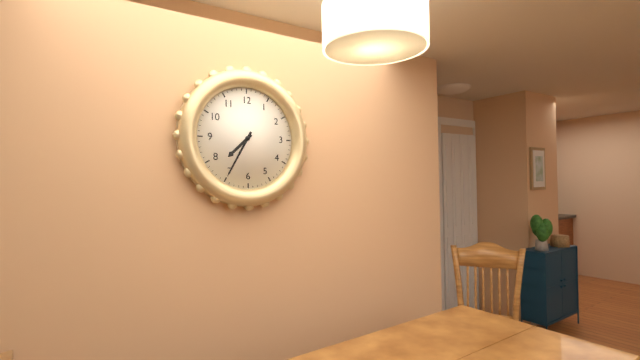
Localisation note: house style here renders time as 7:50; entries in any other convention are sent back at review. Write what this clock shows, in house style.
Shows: 7:35
